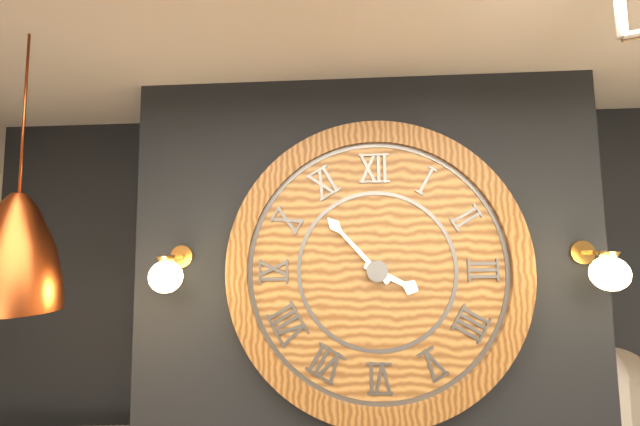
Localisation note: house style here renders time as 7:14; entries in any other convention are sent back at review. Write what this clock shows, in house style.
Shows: 3:53
